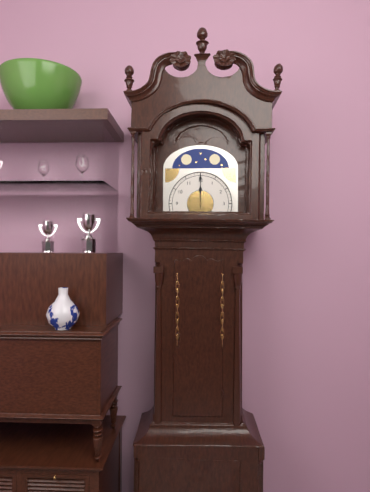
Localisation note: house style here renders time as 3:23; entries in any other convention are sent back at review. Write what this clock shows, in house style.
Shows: 12:00
